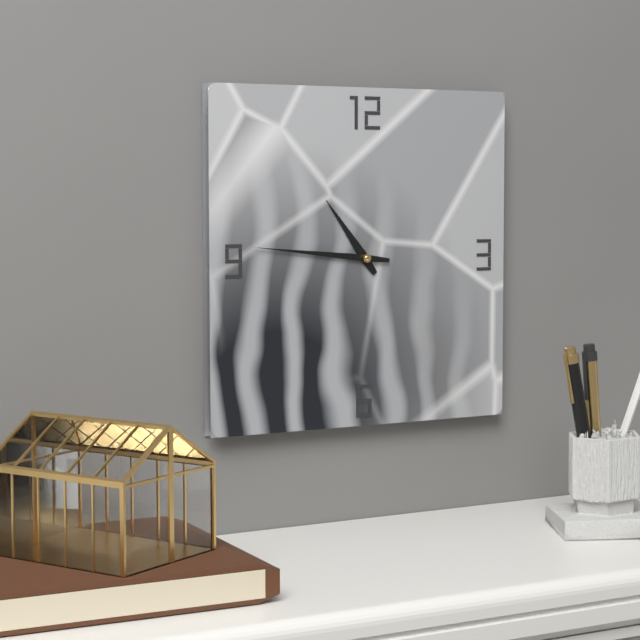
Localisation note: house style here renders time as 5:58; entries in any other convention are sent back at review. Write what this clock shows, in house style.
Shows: 10:46
